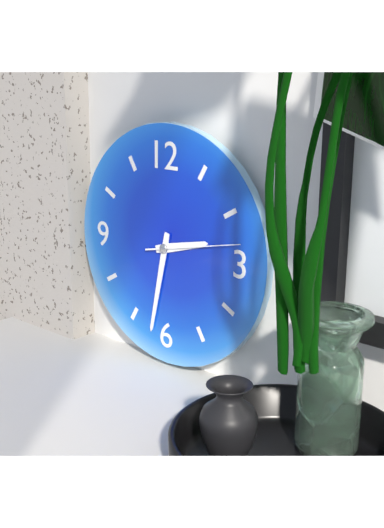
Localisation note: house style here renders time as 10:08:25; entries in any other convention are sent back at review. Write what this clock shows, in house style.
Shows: 2:32:13
